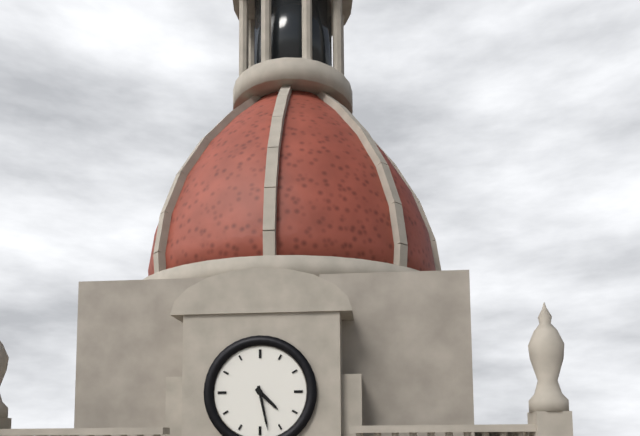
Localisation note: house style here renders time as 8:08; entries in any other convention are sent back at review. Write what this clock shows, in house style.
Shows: 4:28
